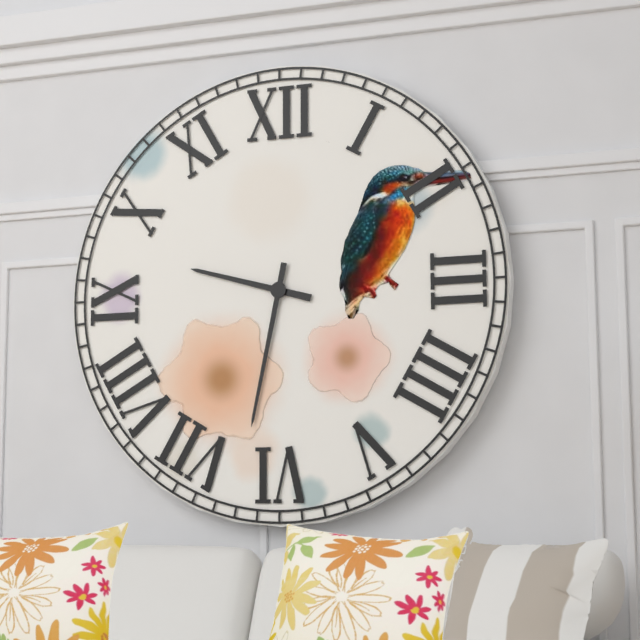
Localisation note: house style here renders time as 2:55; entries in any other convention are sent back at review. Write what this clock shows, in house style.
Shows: 9:32
